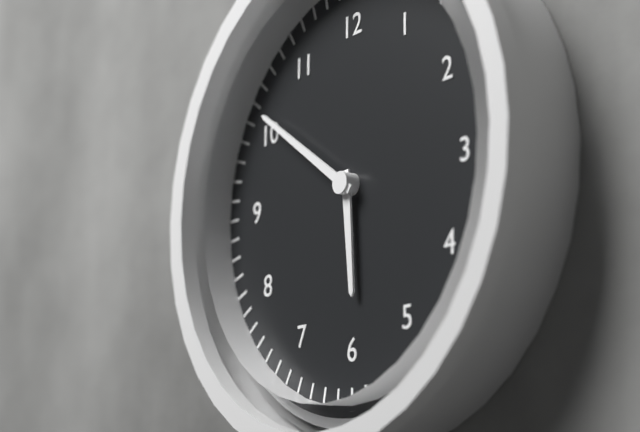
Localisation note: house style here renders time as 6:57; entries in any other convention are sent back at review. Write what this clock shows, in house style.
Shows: 5:51
